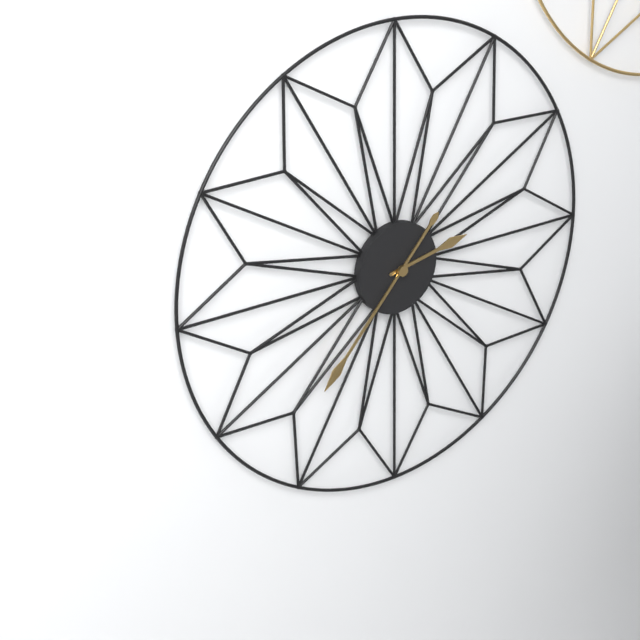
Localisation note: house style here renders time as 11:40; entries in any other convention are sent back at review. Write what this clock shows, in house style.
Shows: 2:37
